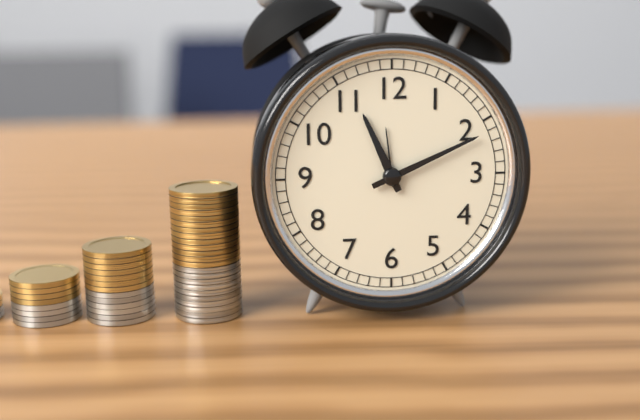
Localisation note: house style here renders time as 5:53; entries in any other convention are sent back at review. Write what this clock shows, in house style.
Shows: 11:11
